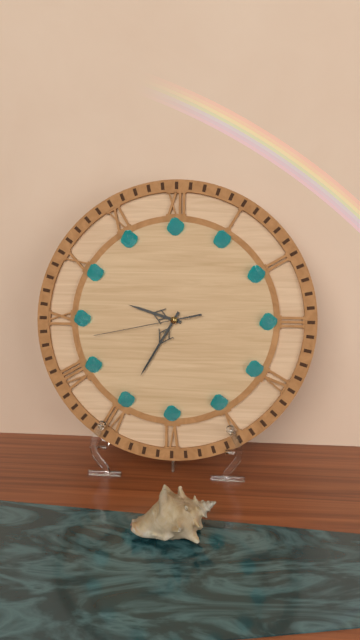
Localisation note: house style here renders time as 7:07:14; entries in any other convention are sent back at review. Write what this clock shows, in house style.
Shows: 9:35:43
